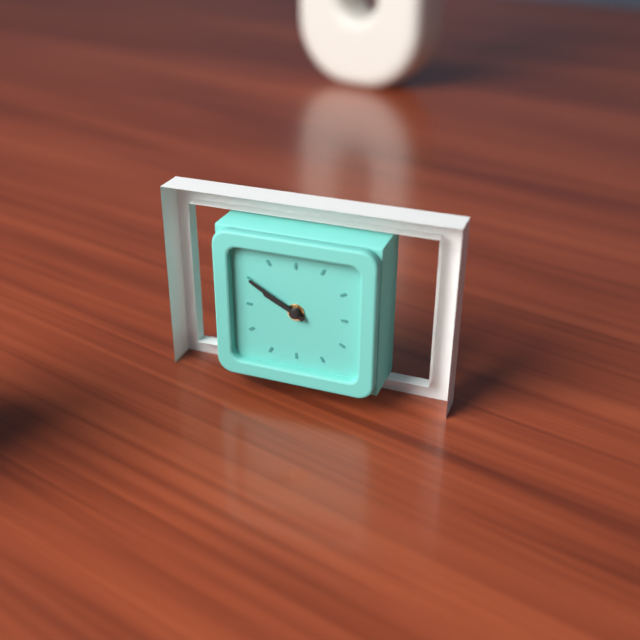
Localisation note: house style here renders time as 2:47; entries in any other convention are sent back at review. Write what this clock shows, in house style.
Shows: 9:50
